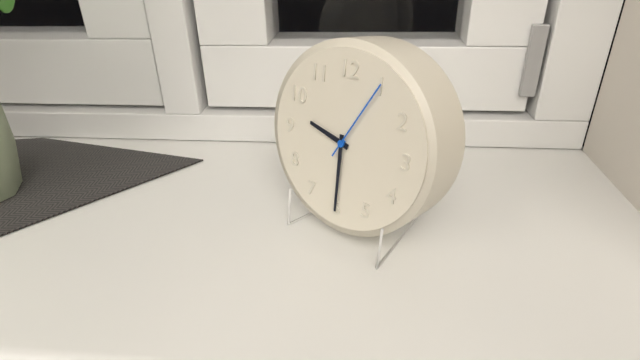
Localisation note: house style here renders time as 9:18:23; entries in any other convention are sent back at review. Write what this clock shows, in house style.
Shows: 9:30:05
